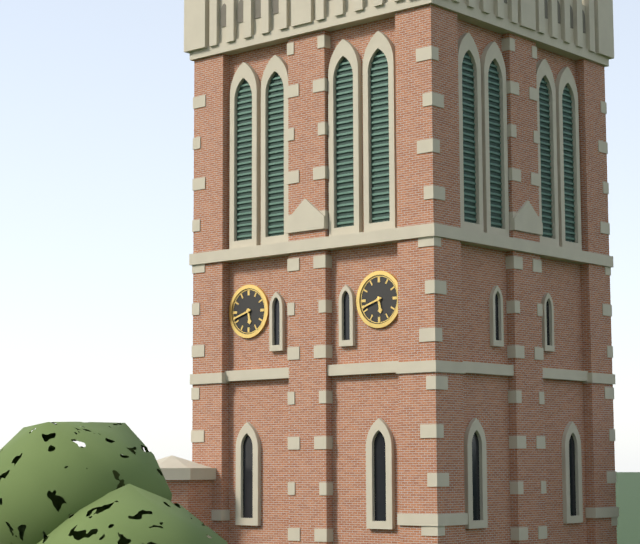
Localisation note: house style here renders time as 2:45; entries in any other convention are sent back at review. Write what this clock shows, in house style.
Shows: 5:42
